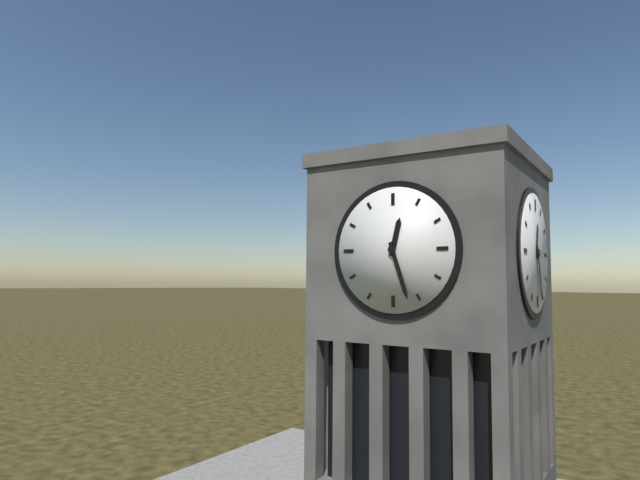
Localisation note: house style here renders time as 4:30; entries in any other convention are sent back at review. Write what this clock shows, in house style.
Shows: 12:27
